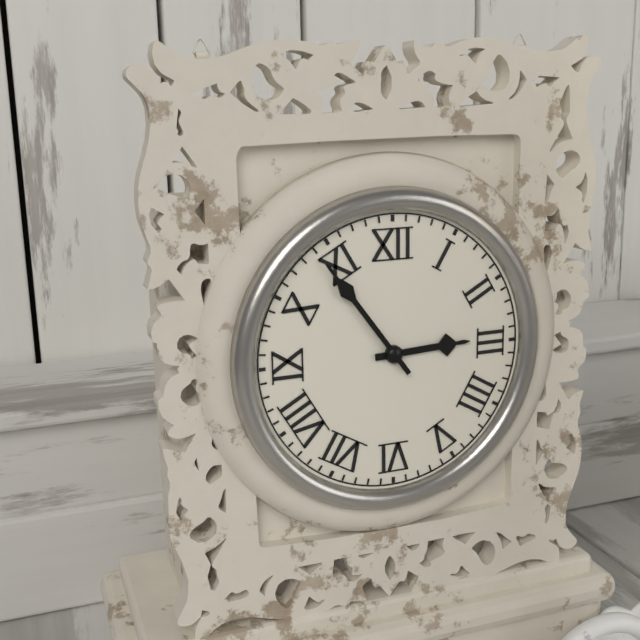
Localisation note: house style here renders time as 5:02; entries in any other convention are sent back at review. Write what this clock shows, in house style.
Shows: 2:54
